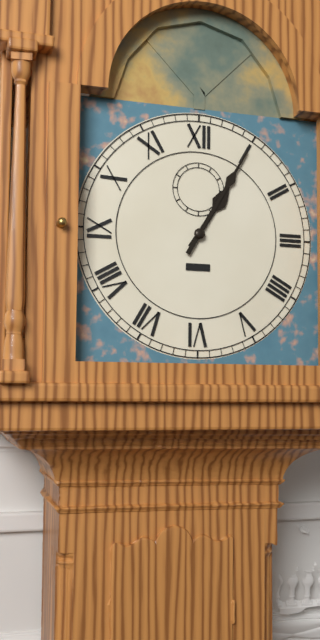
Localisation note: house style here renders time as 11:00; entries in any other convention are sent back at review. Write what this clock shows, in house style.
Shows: 1:05
